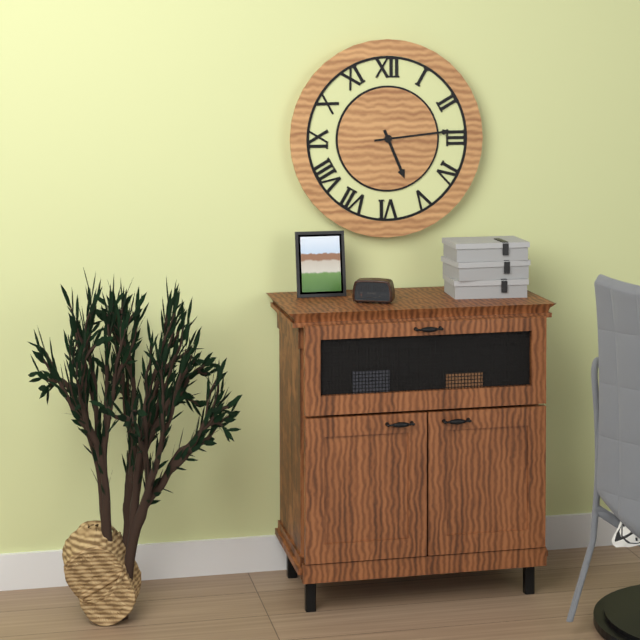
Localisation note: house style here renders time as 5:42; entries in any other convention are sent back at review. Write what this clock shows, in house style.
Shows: 5:14
